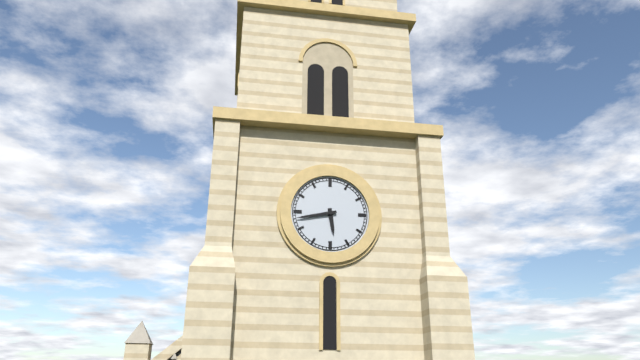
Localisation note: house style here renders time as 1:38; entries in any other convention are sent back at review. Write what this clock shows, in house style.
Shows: 5:43
